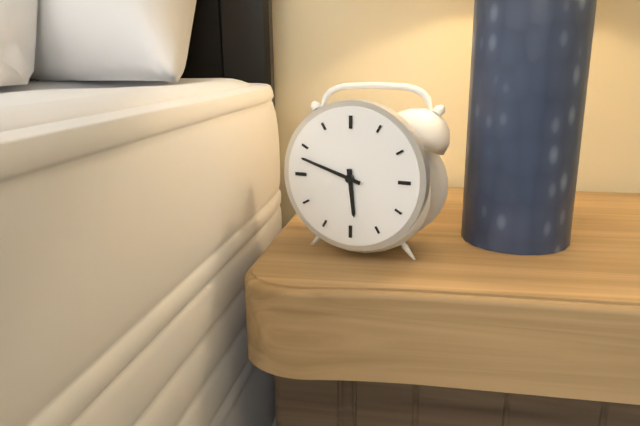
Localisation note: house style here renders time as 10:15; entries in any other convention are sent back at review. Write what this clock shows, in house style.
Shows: 5:48
